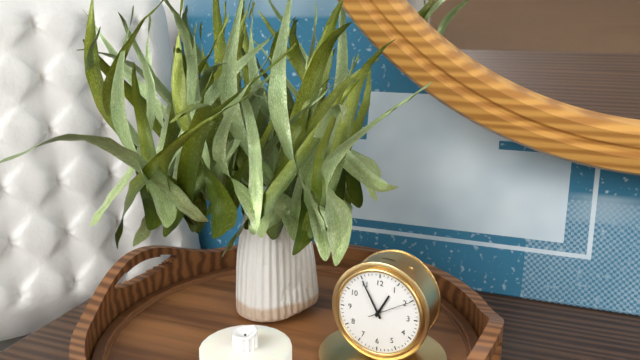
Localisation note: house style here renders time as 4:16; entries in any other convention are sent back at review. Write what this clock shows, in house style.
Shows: 12:55
